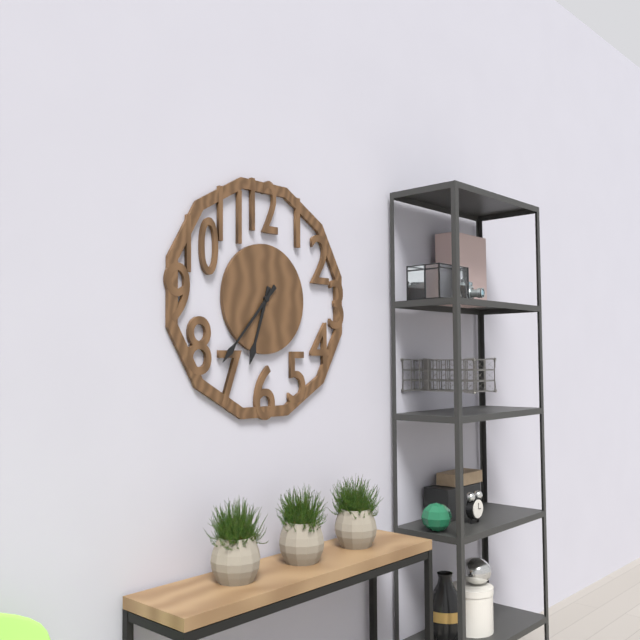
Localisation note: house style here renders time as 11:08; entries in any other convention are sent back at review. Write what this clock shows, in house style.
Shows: 6:37
